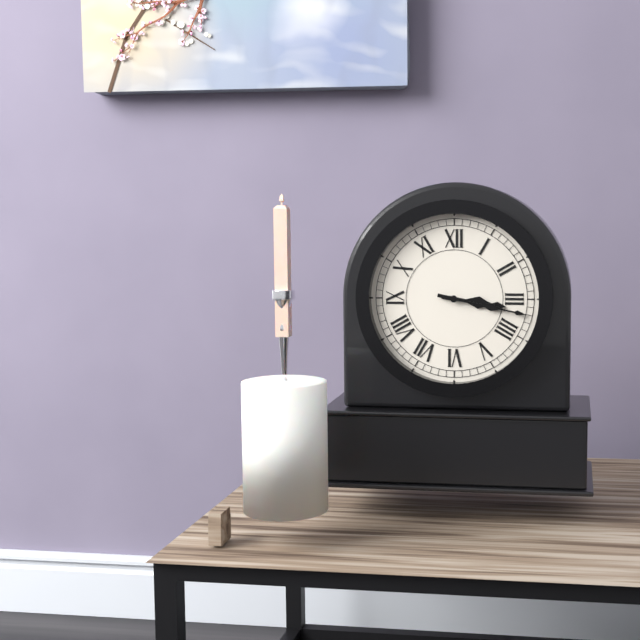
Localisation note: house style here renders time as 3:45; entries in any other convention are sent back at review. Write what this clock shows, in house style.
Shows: 3:17
